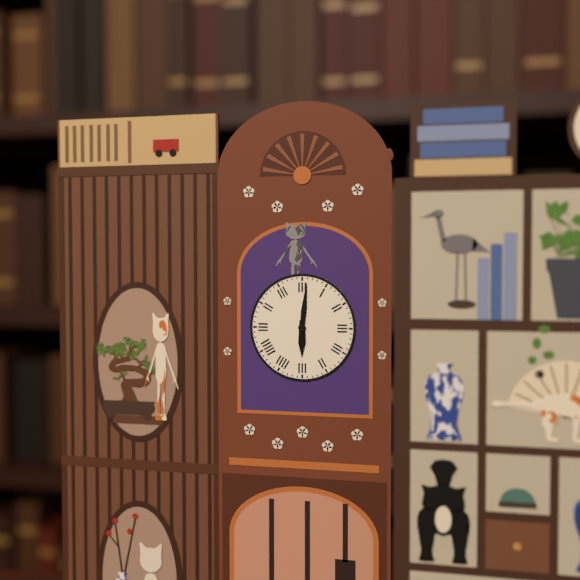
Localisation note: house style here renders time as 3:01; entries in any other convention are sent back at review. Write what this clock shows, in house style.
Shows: 6:01
